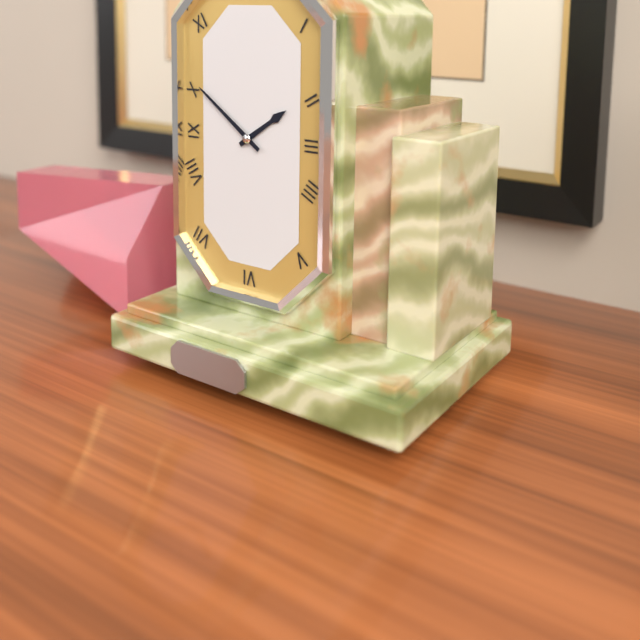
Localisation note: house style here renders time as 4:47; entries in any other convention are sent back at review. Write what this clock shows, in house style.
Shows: 1:51
